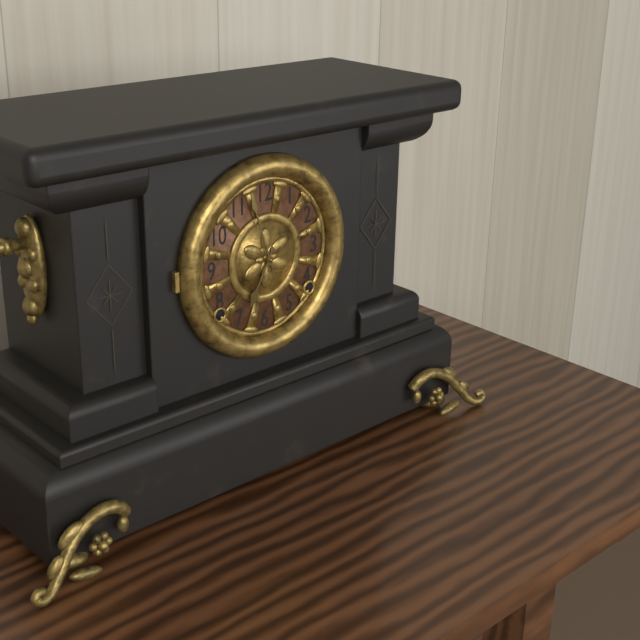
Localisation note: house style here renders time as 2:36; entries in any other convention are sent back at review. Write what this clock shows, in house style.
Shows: 6:57
